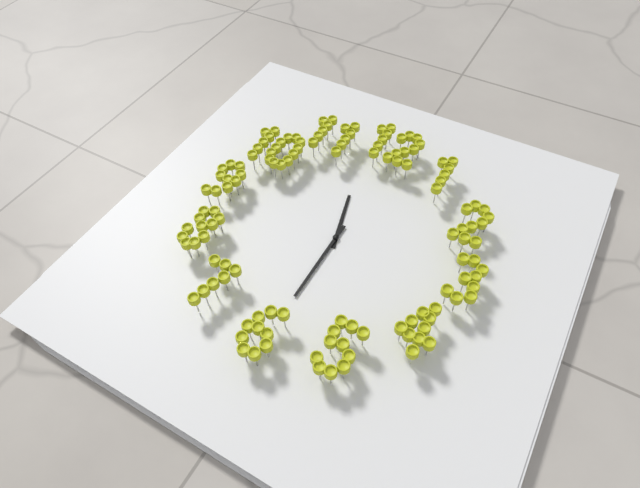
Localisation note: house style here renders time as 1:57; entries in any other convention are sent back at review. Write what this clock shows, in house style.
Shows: 11:30
